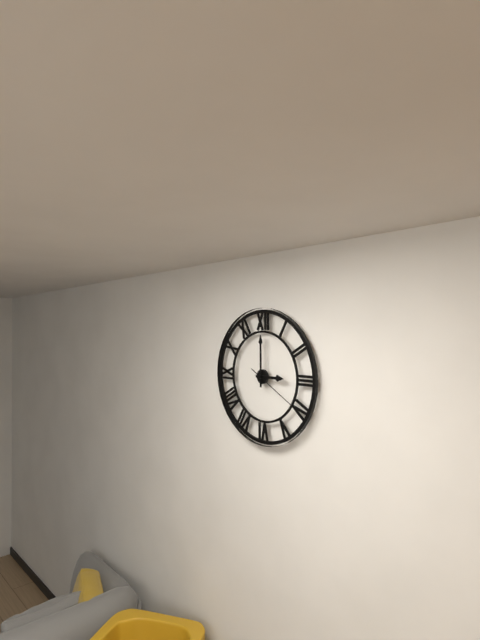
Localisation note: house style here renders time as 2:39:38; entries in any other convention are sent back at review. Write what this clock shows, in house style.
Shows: 3:00:20
